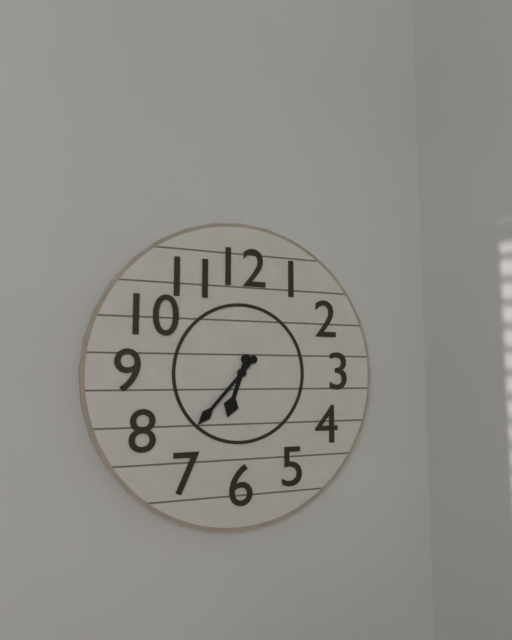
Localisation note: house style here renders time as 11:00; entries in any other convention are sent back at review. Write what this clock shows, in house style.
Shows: 6:37
